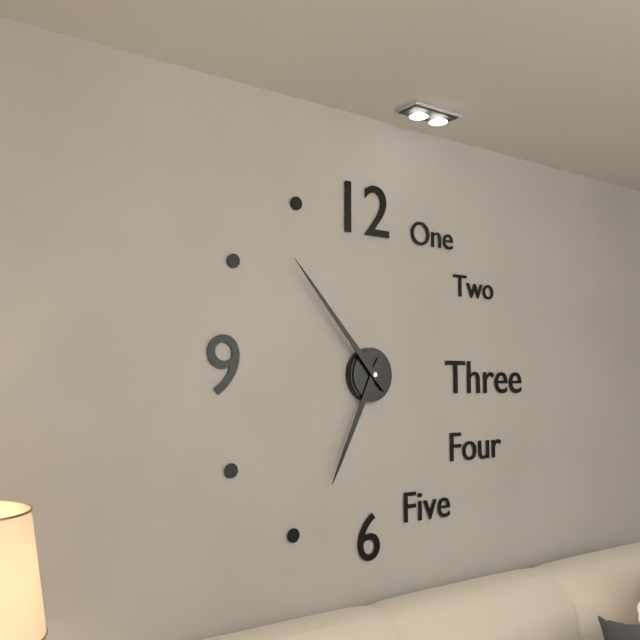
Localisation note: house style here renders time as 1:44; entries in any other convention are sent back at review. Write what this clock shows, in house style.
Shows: 6:53
